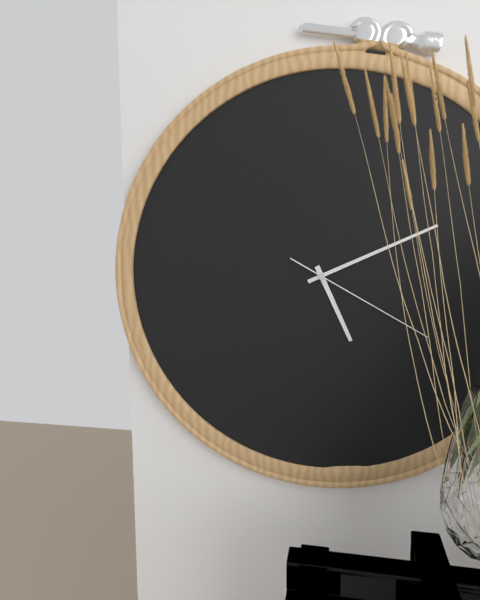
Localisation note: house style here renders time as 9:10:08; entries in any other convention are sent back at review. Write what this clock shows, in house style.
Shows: 5:11:20
